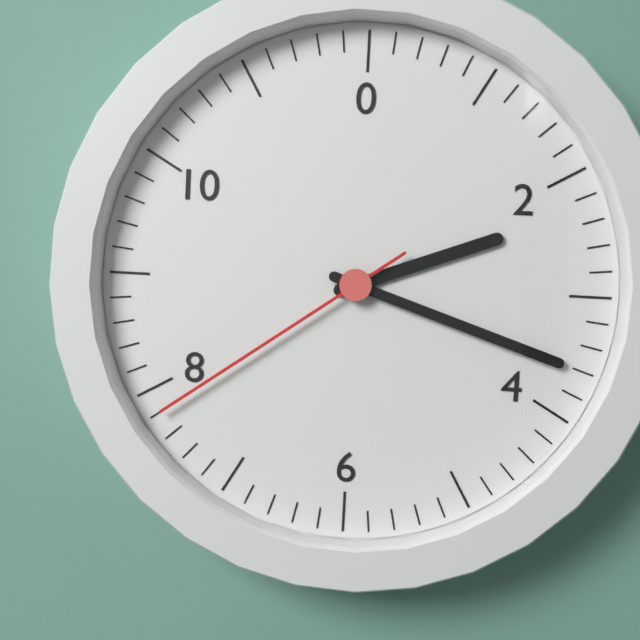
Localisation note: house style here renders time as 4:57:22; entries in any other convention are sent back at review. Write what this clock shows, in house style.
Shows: 2:18:39
